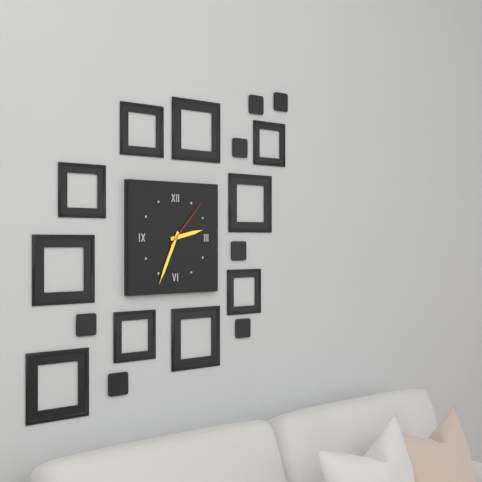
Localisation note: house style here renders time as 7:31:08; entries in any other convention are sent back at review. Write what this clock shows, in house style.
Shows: 2:34:07
